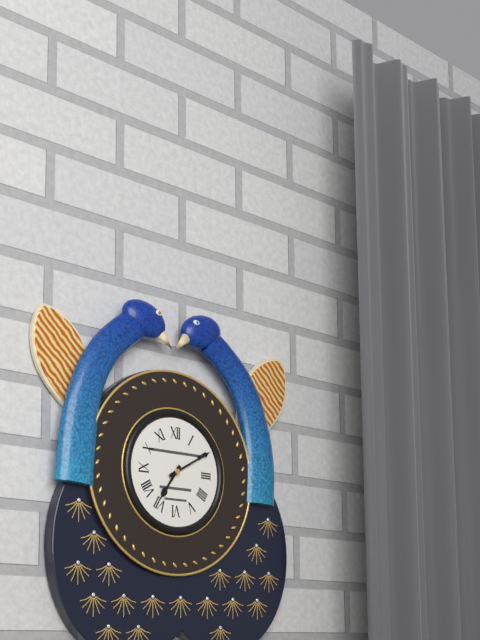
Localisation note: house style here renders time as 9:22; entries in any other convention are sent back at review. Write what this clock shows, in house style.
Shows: 7:10
